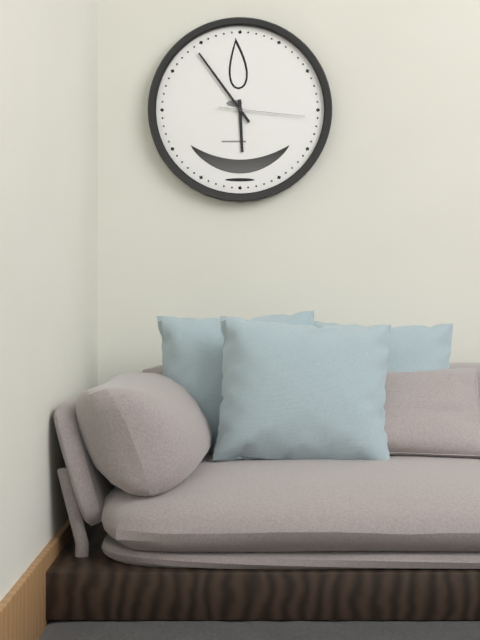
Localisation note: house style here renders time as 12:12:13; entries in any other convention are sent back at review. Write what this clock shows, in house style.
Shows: 5:54:16
